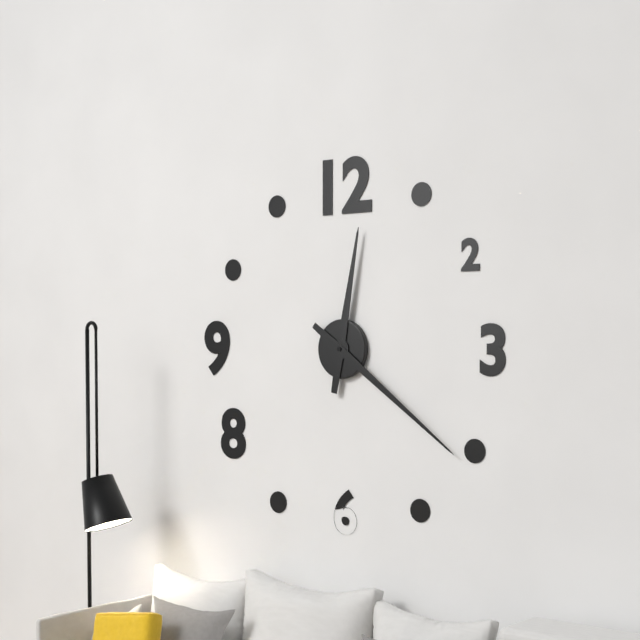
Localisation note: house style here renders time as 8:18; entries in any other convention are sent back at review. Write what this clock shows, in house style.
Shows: 12:21
